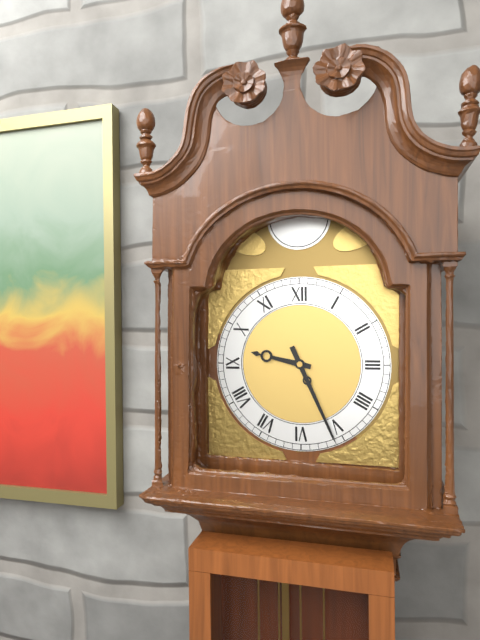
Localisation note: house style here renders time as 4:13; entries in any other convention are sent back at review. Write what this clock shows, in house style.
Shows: 9:26
